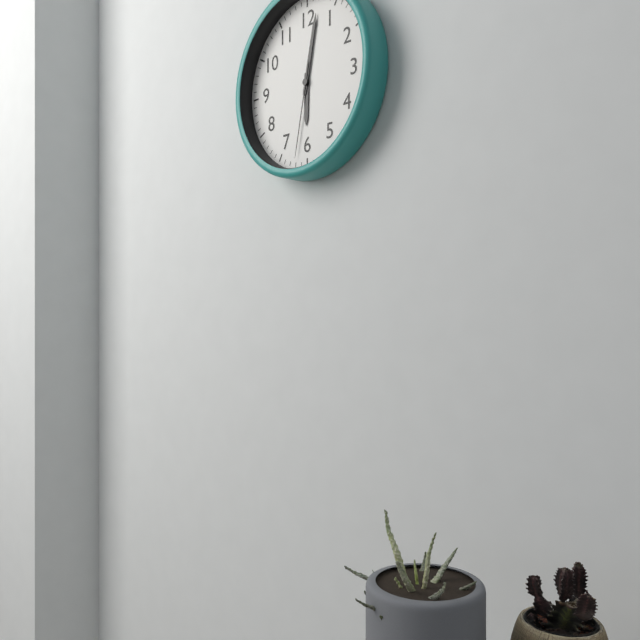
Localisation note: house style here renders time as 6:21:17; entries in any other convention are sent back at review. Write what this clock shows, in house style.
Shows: 6:02:32
